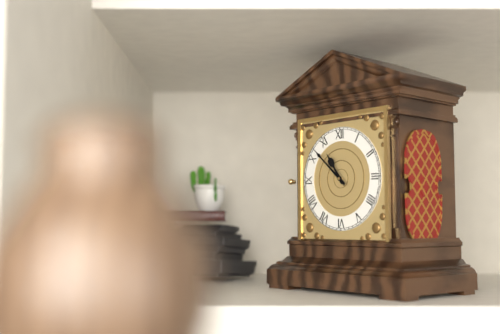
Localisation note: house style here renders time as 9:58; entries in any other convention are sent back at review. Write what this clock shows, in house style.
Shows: 10:52
